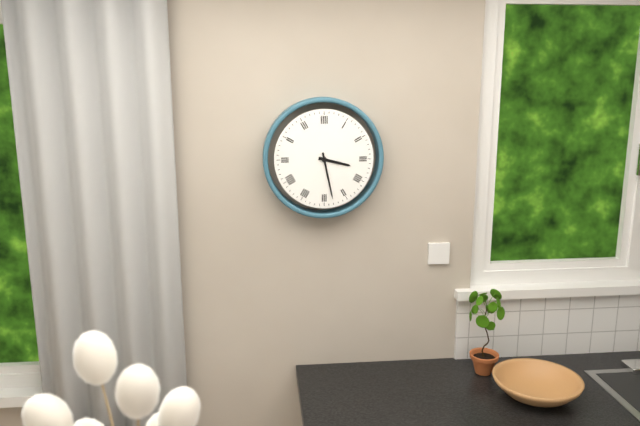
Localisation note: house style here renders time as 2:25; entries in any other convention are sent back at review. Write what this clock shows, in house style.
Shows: 3:28
